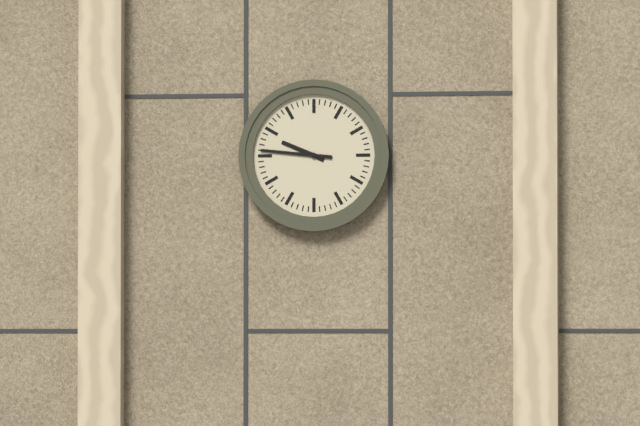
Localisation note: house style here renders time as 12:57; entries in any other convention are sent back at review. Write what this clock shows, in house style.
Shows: 9:46
